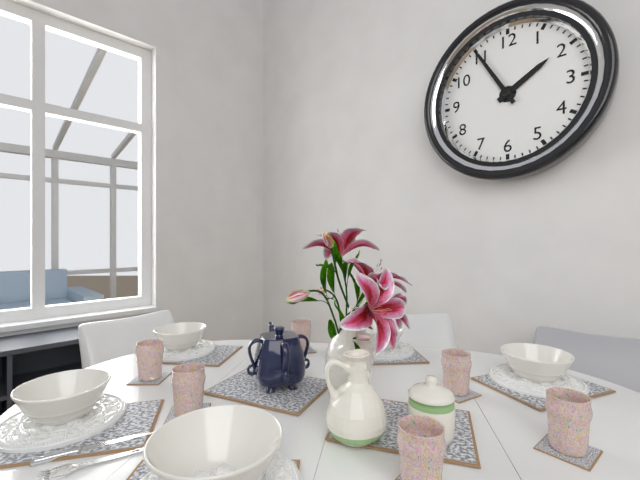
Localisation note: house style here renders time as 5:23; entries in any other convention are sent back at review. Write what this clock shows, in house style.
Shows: 1:55
